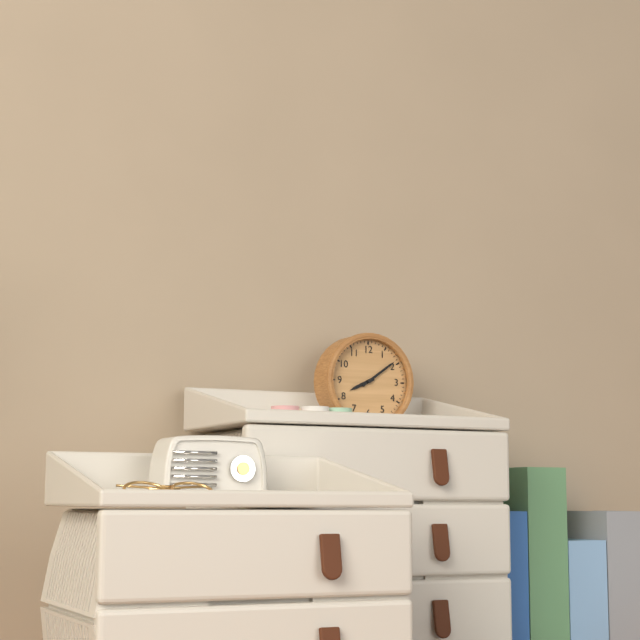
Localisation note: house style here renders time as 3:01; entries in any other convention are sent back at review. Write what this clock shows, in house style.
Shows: 8:09
